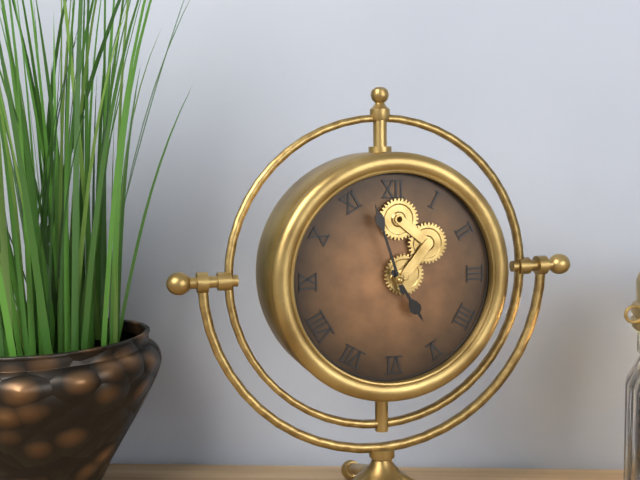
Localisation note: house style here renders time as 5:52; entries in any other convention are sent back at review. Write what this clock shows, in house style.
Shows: 4:57
